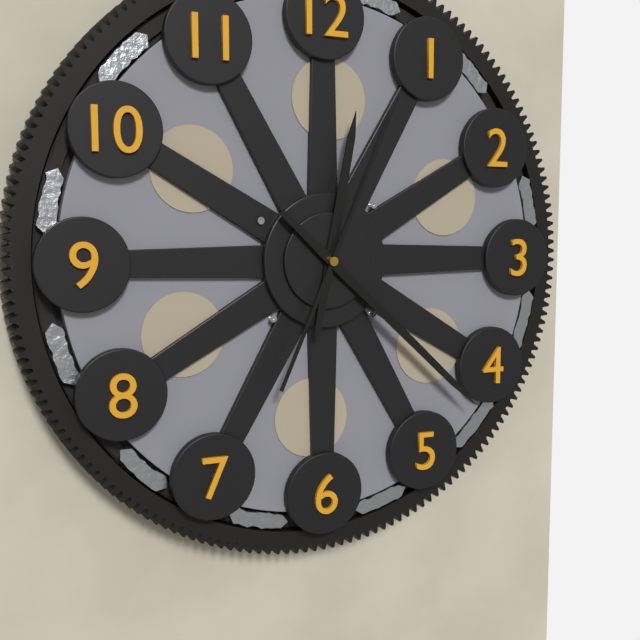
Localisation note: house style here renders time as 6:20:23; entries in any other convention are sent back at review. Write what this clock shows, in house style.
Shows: 12:22:04
